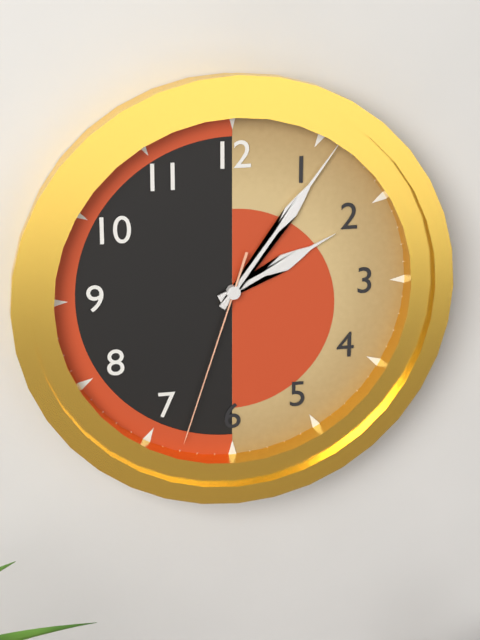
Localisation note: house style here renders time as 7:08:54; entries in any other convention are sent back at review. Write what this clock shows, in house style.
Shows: 2:06:33
